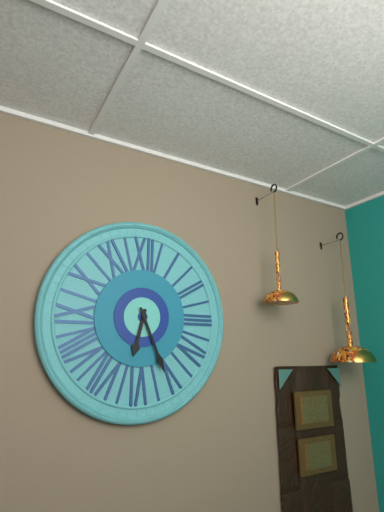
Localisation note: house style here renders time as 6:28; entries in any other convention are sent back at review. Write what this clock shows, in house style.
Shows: 6:26
